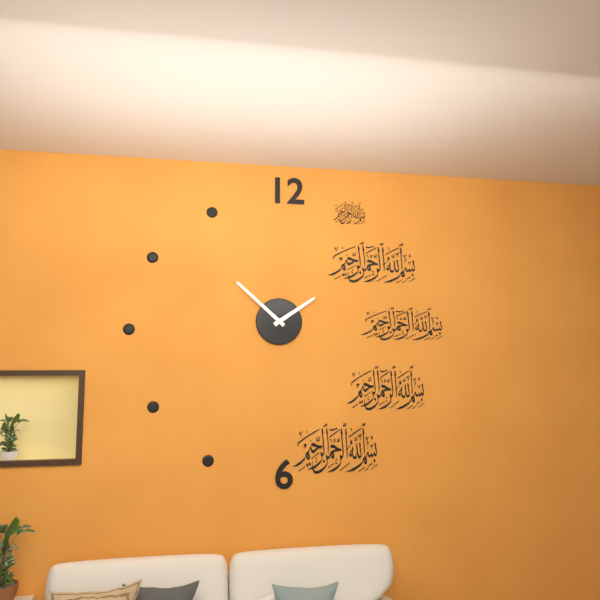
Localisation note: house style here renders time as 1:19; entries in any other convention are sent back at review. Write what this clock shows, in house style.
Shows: 1:52
